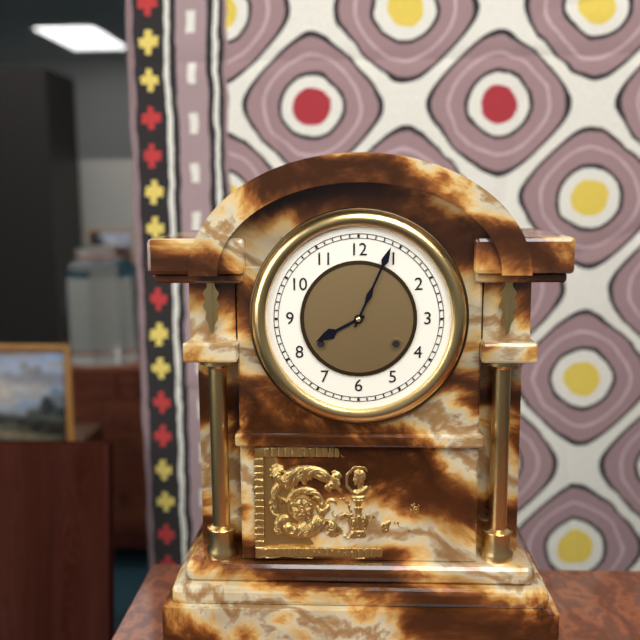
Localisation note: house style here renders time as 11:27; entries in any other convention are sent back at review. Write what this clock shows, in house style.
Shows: 8:04
